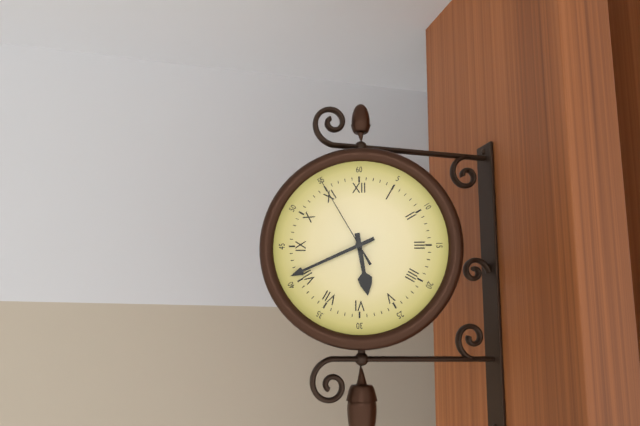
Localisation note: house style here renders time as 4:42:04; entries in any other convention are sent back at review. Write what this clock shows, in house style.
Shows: 5:41:55
